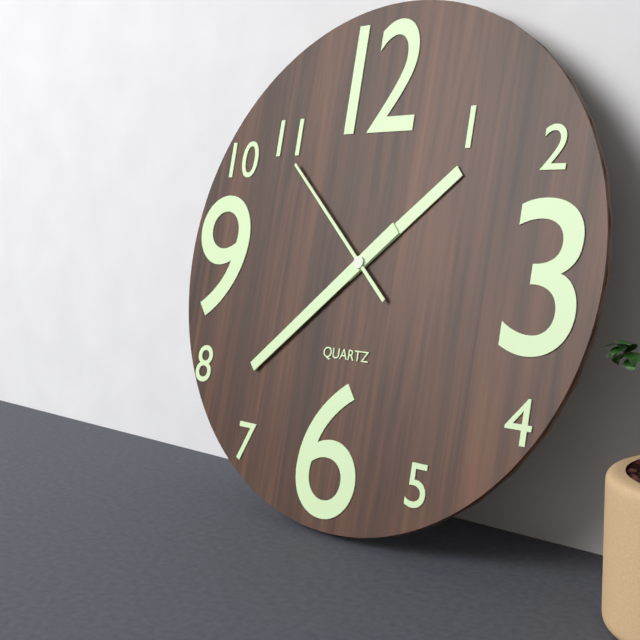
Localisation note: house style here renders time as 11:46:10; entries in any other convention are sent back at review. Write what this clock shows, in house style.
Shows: 1:38:52
